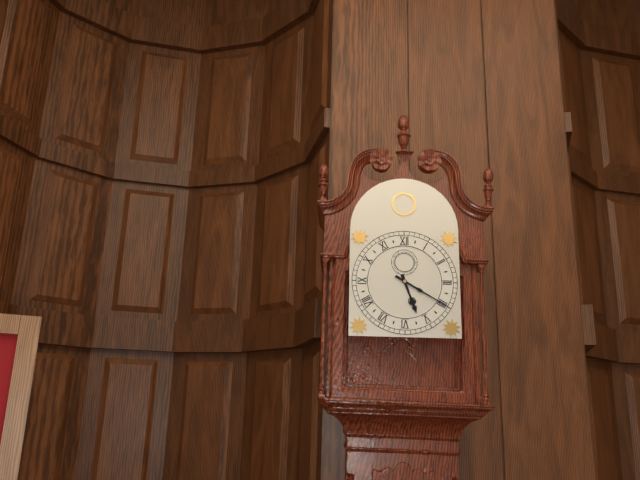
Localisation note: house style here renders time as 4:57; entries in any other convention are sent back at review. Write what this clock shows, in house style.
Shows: 5:20
